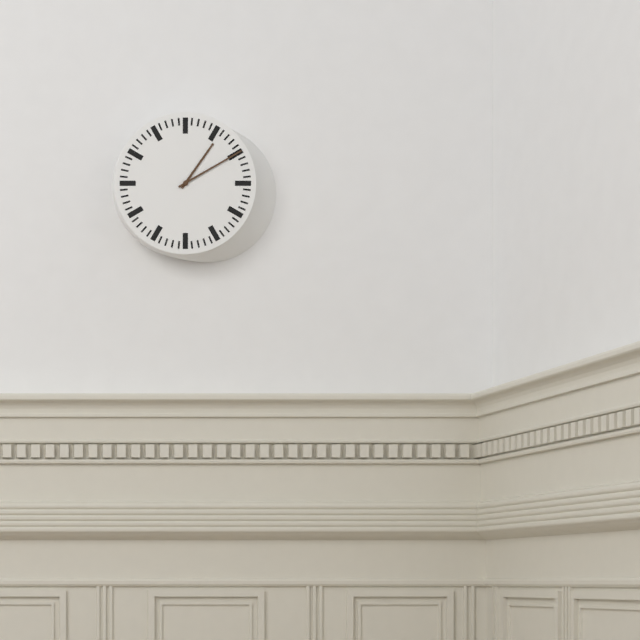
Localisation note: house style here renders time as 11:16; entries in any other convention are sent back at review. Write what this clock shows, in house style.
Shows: 1:10
